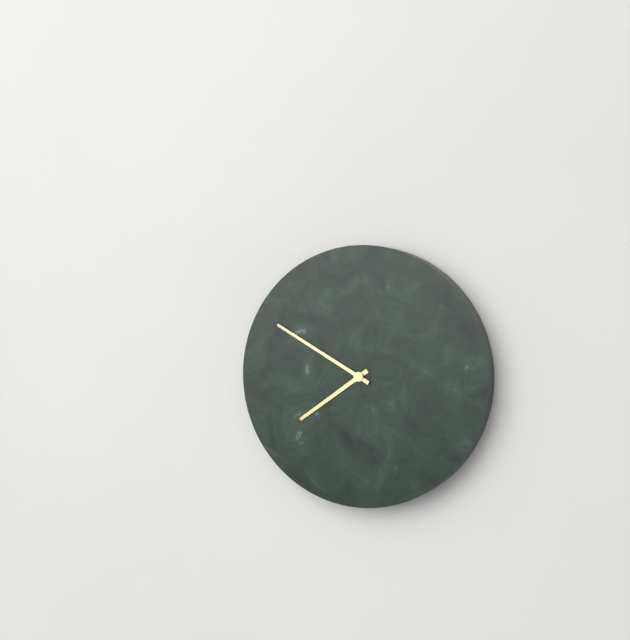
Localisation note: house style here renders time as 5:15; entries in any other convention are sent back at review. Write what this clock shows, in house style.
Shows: 7:50
